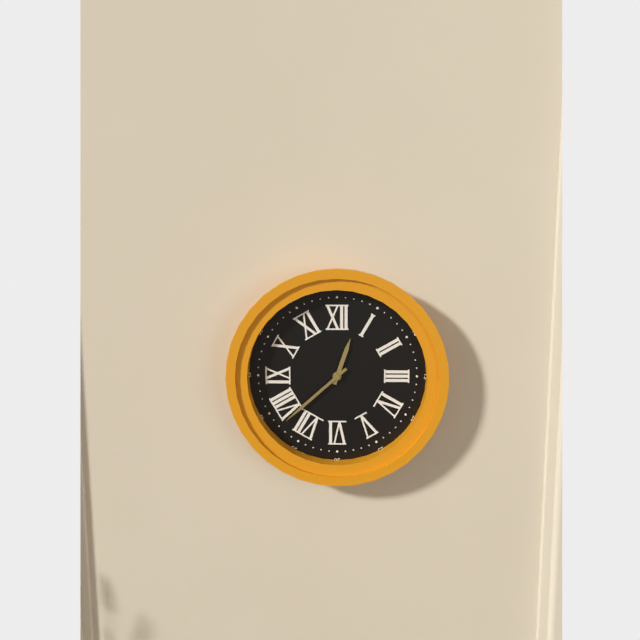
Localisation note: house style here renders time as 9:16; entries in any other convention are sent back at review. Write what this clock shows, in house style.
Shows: 12:38
